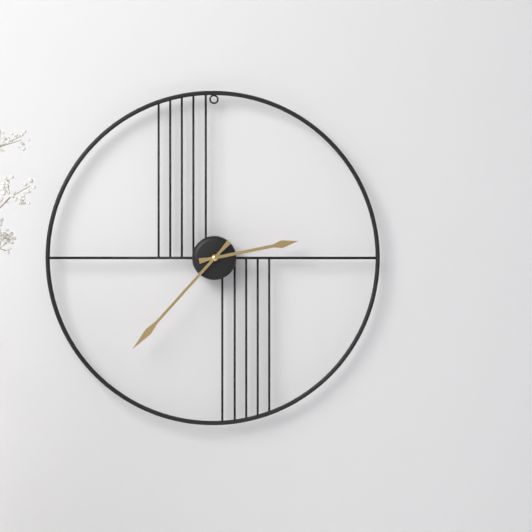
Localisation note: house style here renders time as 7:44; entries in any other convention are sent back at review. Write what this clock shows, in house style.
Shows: 2:37
